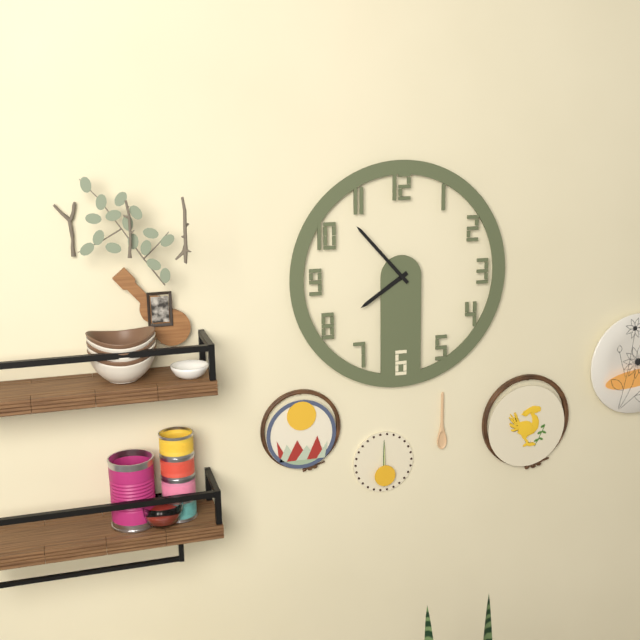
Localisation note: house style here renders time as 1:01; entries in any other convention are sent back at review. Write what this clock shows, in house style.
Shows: 7:53
